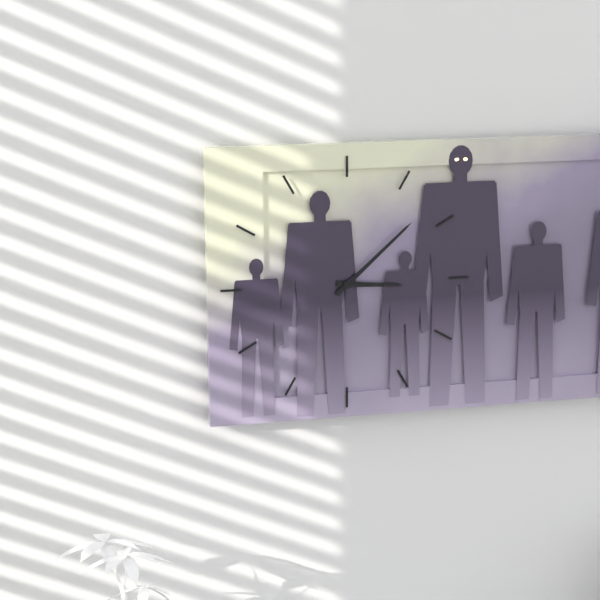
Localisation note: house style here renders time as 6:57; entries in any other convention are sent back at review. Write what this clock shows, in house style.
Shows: 3:08
